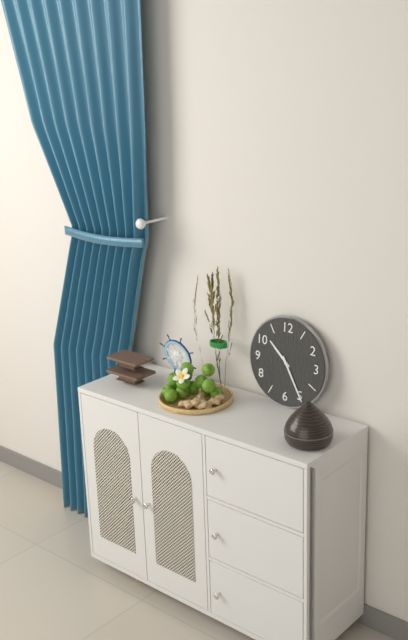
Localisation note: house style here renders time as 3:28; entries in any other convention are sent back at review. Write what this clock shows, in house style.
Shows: 10:25
